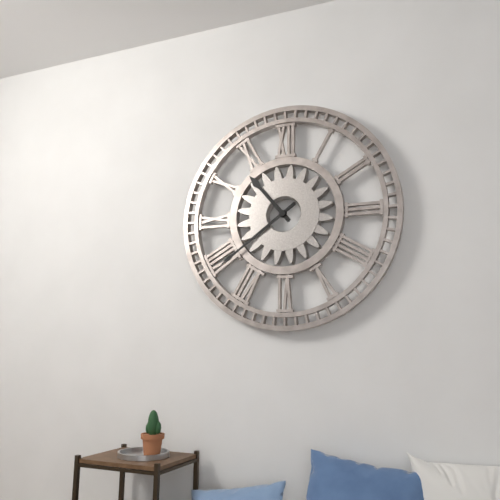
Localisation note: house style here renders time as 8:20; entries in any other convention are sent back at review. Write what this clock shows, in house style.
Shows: 10:39
